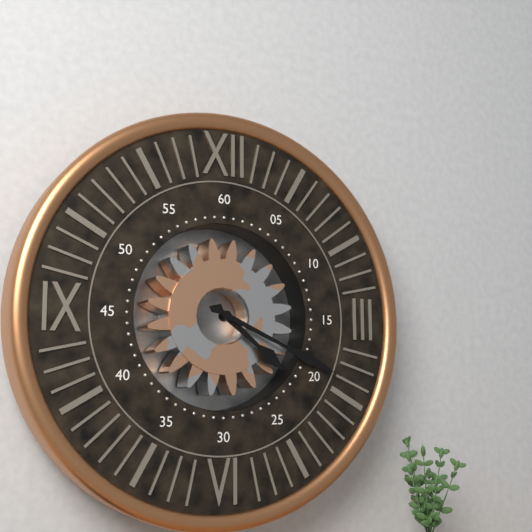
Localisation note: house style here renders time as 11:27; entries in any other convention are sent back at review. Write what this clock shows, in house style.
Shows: 4:19
